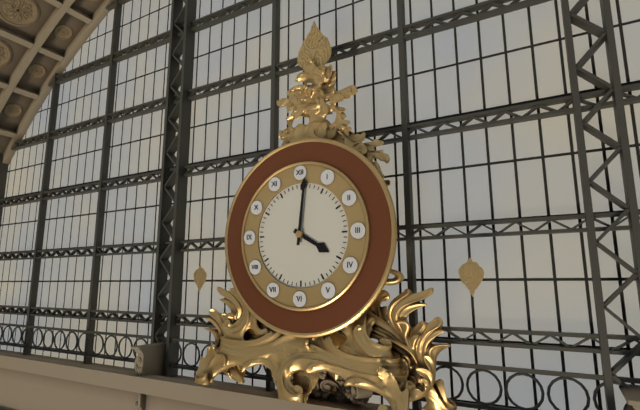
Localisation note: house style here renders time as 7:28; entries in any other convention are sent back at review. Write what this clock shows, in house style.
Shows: 4:01
